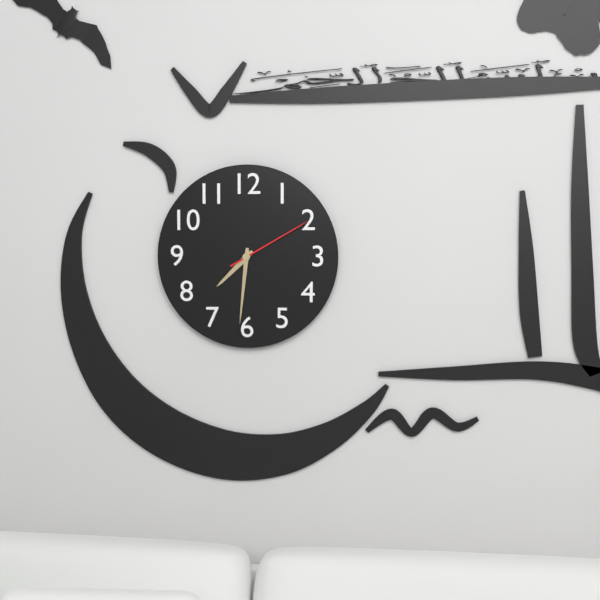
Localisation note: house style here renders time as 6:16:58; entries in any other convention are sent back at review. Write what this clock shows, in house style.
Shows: 7:31:10
